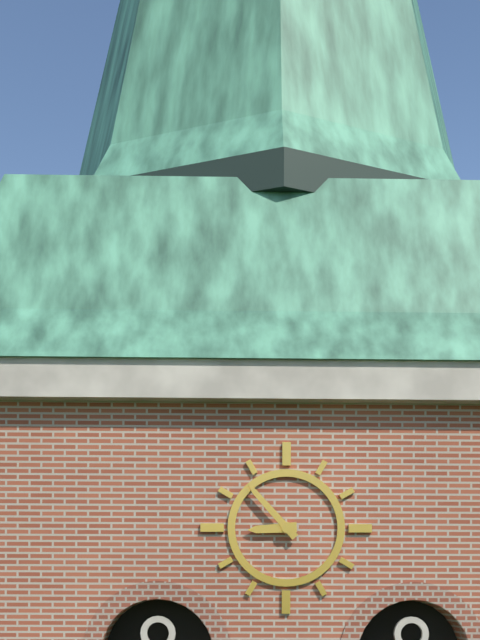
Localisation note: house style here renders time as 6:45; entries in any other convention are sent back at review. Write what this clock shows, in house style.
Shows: 8:53
